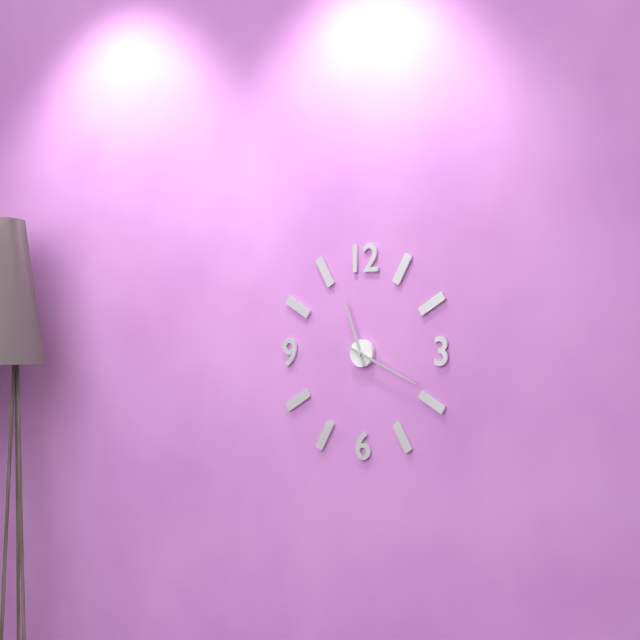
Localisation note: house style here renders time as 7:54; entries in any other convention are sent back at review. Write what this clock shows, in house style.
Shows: 11:19
